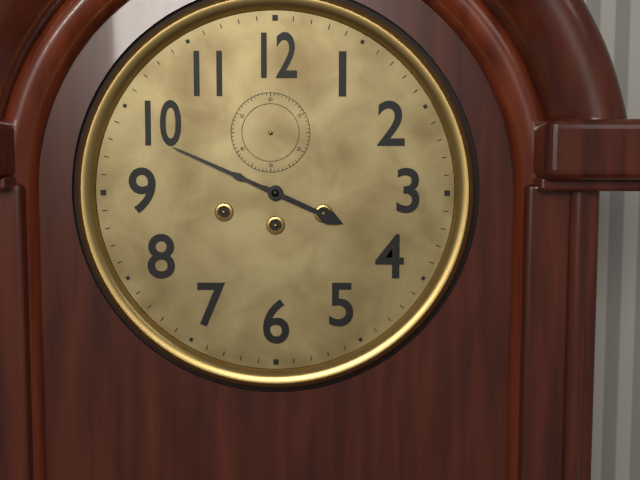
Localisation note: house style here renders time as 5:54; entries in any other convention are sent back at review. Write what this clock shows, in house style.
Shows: 3:49
